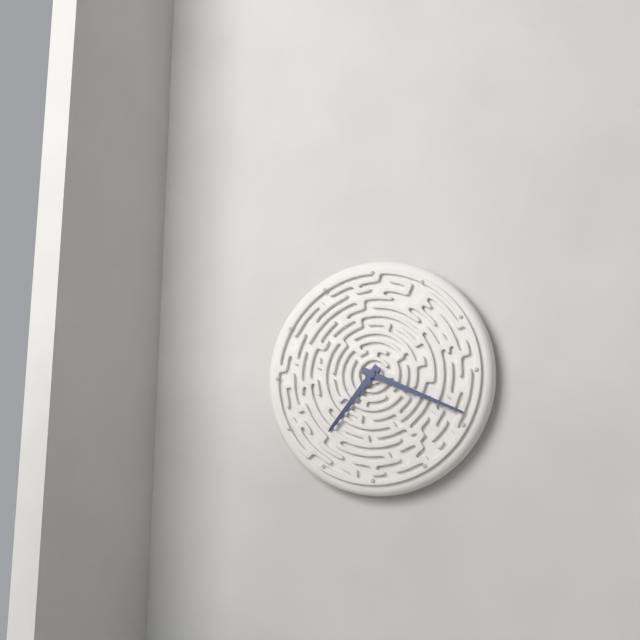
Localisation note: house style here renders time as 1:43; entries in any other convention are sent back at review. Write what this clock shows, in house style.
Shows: 7:19
